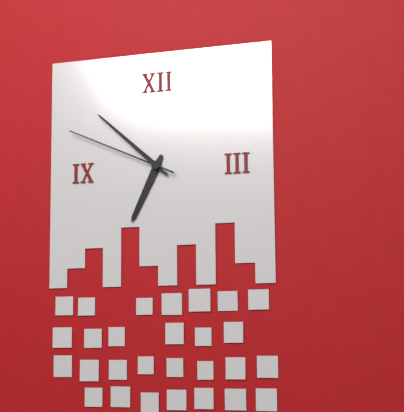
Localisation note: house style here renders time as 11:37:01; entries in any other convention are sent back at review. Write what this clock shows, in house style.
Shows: 6:52:49
